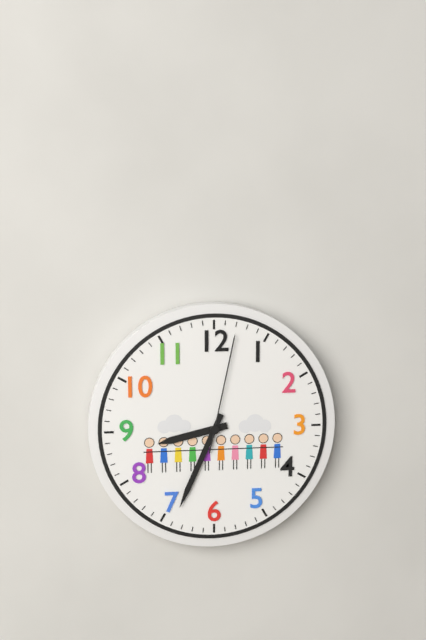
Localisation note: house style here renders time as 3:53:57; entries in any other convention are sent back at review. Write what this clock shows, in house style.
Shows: 8:34:02
